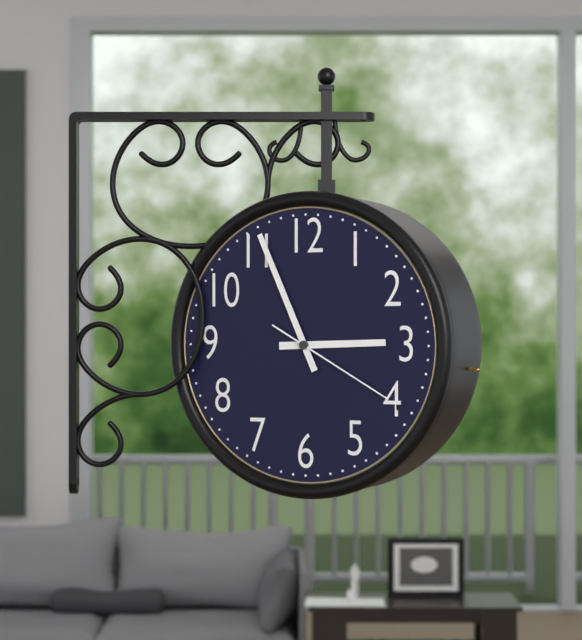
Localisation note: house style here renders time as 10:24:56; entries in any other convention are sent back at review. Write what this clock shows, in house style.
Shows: 2:56:20
